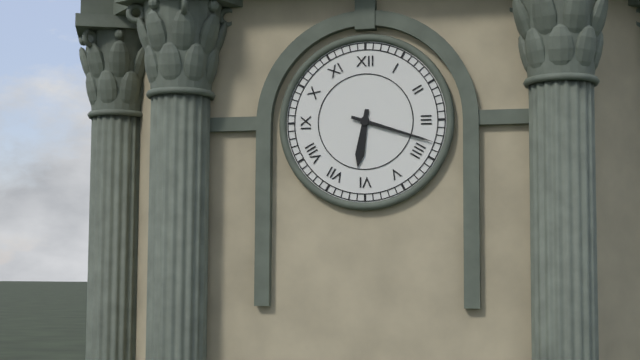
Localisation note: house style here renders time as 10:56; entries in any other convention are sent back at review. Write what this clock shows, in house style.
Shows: 6:18
